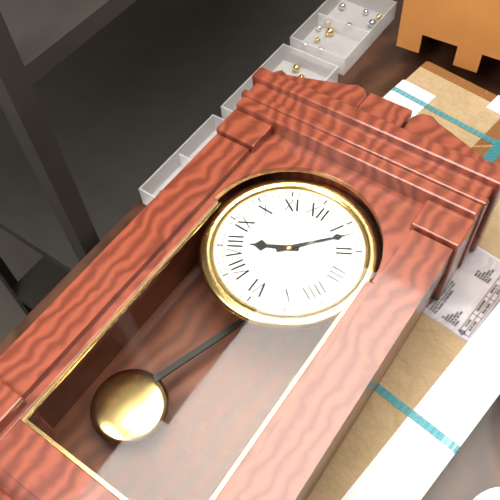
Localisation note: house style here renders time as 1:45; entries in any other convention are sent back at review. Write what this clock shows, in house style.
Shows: 8:07
